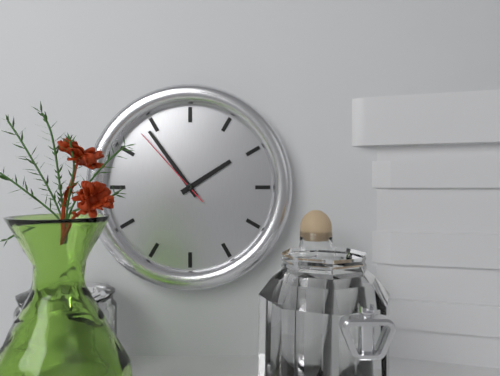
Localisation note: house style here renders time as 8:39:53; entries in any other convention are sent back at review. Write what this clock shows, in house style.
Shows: 1:54:53
